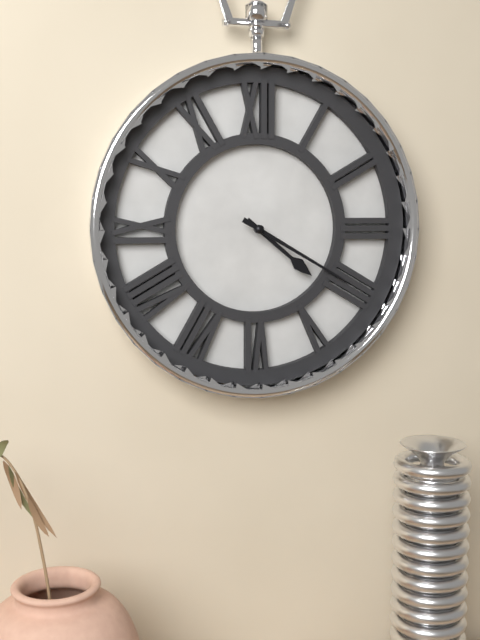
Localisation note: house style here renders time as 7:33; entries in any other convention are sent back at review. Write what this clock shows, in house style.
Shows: 4:20
